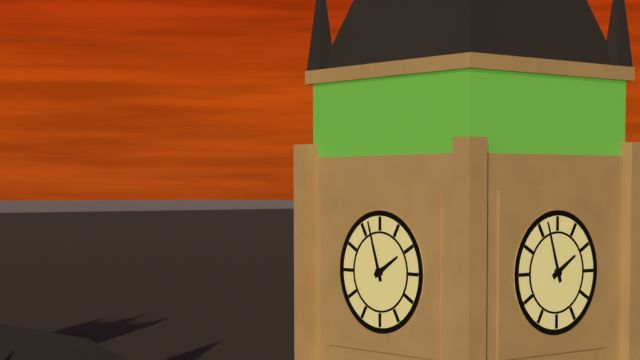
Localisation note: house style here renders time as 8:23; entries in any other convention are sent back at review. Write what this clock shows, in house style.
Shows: 1:57
